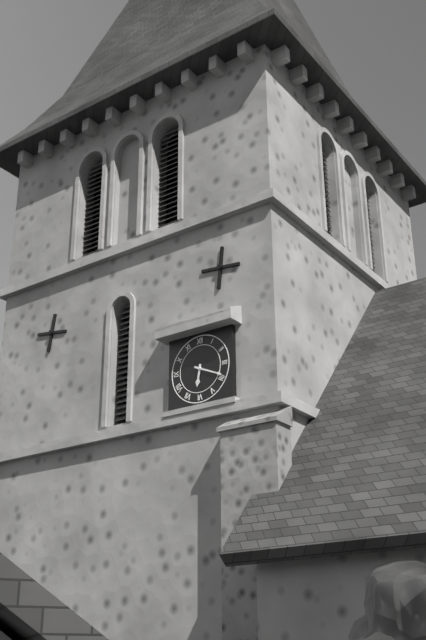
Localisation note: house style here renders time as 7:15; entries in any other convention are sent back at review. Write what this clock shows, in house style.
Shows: 6:19
